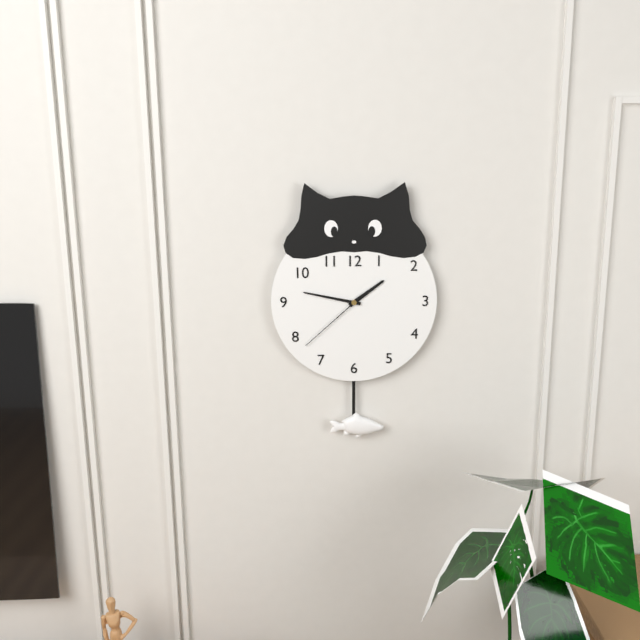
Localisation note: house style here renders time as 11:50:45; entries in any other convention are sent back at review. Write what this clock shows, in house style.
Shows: 1:47:38
